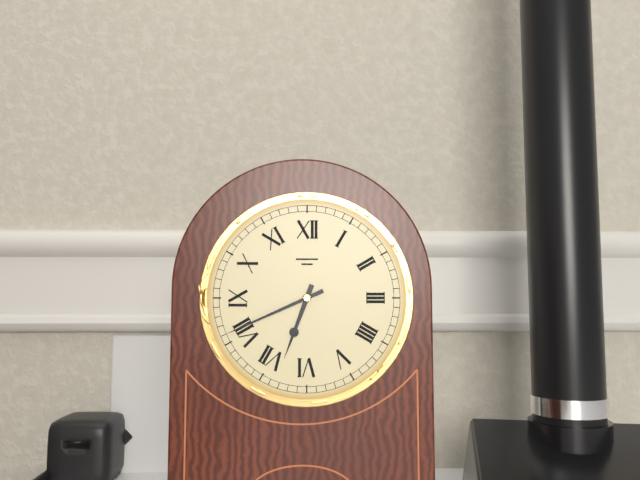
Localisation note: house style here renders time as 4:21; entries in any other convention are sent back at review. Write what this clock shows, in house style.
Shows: 6:41
